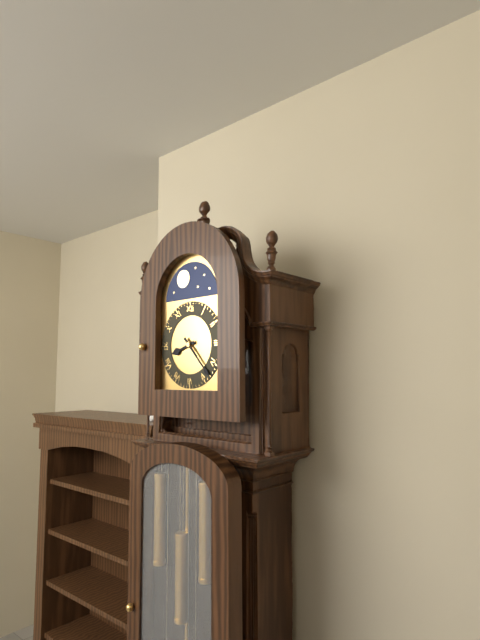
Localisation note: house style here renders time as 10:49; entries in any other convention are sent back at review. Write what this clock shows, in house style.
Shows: 8:23
